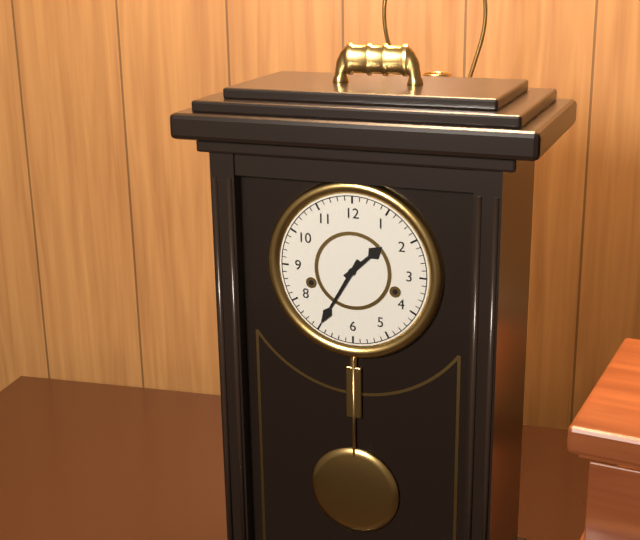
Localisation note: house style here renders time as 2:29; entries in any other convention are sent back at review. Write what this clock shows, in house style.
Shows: 1:35
